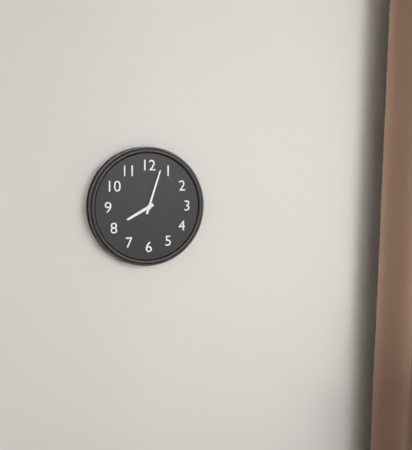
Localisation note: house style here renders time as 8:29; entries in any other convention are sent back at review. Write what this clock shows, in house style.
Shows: 8:03
